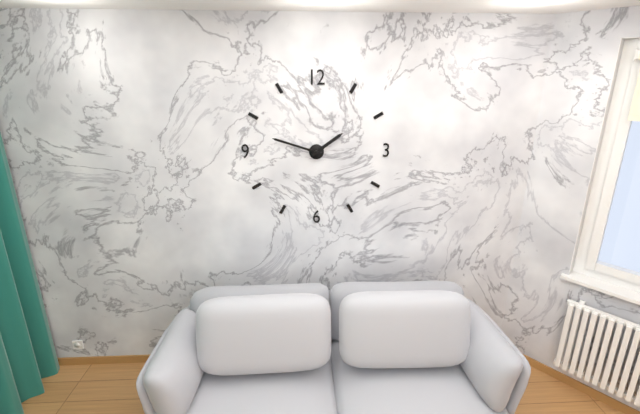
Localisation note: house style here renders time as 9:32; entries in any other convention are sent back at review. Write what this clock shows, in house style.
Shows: 1:48
